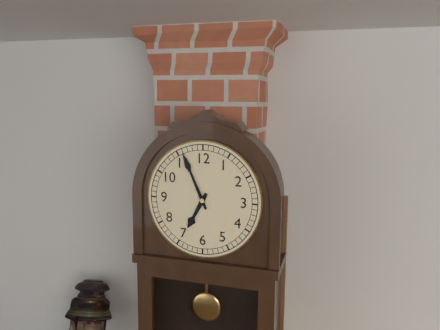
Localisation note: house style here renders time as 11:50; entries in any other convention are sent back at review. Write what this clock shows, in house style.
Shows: 6:56
